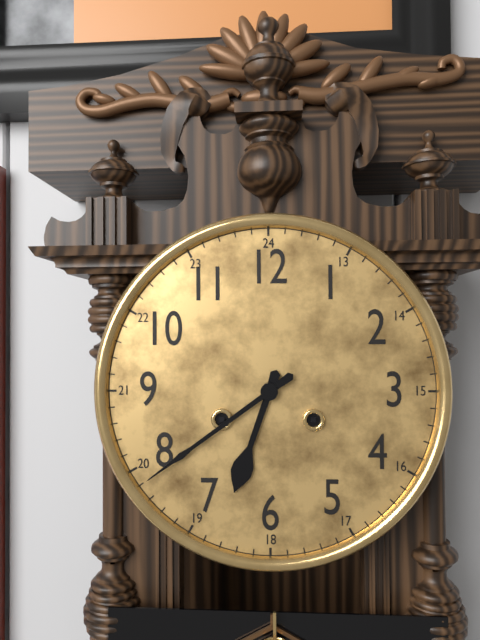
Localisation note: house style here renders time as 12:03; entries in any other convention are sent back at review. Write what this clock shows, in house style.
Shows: 6:39
